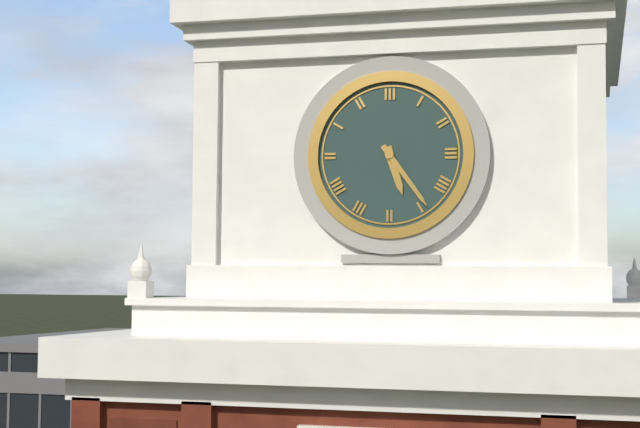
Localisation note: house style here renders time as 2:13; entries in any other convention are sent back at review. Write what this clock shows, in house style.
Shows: 5:24
